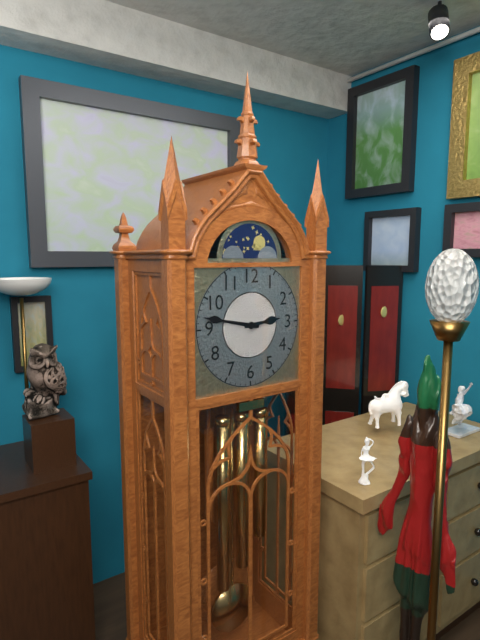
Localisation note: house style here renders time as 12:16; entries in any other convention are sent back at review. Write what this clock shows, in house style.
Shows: 2:47
